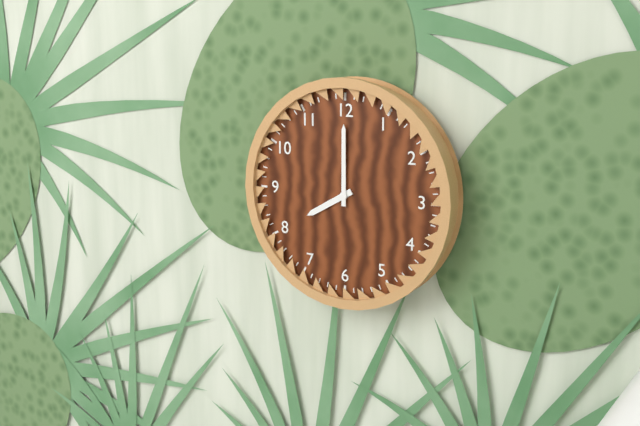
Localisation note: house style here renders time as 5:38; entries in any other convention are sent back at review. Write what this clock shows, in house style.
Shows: 8:00
